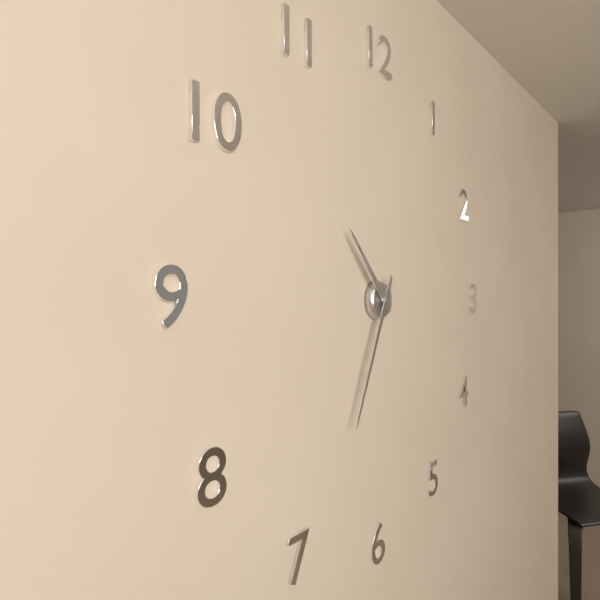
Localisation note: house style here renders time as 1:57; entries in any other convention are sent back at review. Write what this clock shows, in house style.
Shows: 10:34
